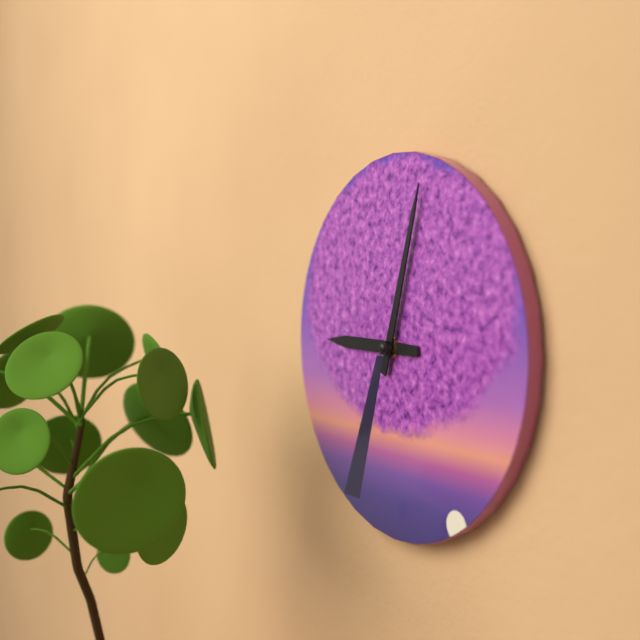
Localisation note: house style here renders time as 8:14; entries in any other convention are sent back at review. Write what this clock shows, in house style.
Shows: 9:03
